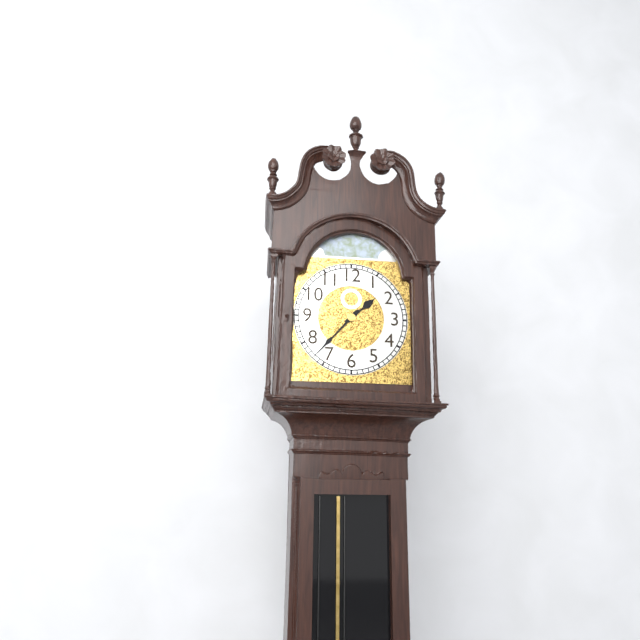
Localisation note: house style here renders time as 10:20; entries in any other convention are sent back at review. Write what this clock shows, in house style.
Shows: 1:37
